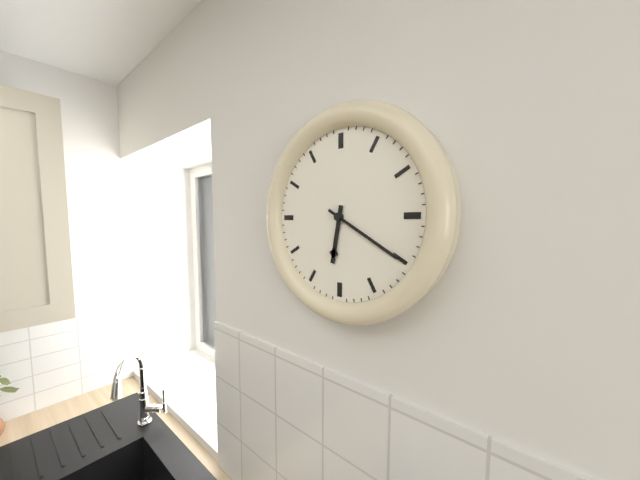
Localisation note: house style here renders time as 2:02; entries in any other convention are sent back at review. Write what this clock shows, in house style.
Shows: 6:20
